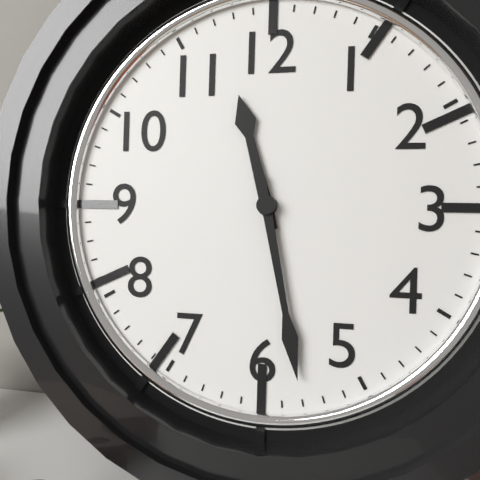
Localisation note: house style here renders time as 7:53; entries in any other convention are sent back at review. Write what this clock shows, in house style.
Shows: 11:28
